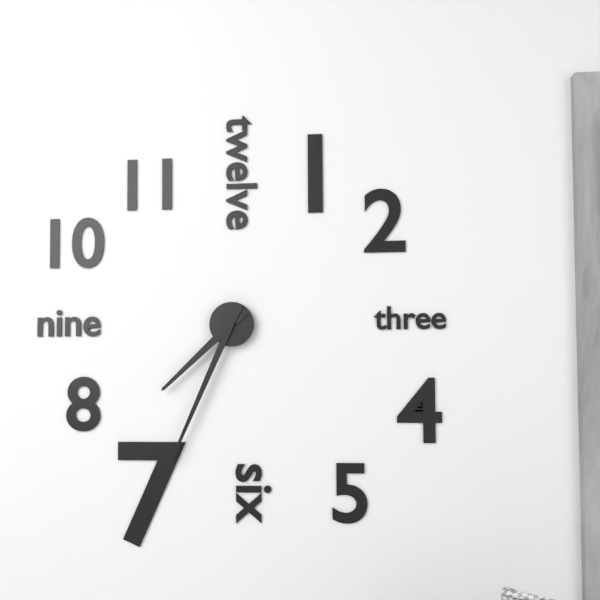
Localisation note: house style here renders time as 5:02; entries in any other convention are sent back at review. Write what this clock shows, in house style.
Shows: 7:34
